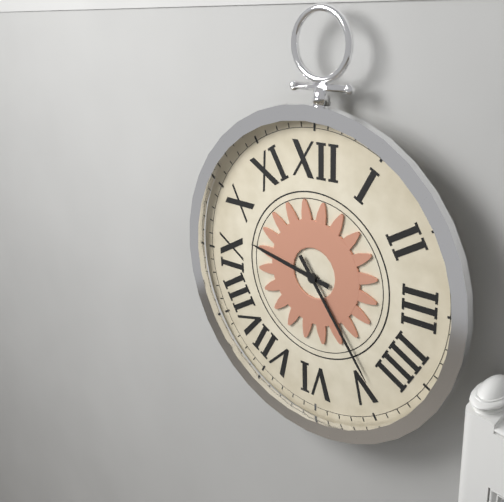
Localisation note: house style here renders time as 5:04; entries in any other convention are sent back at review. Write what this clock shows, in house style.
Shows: 9:24
